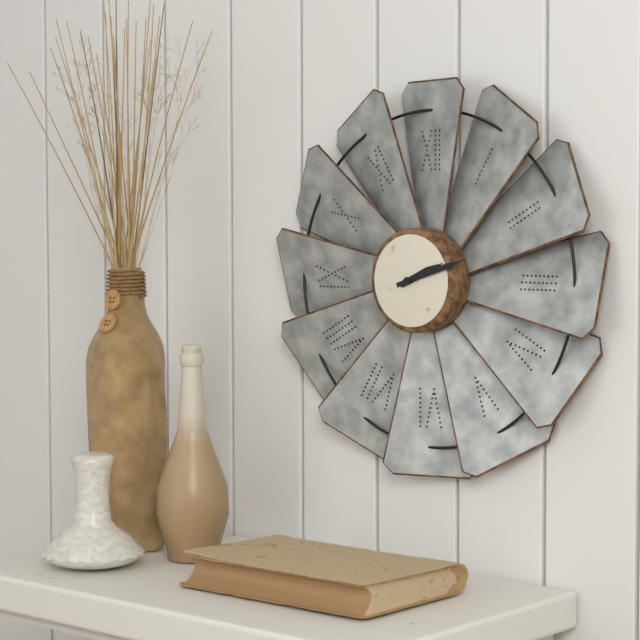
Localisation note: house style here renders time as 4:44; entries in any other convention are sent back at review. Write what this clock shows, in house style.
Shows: 2:12
